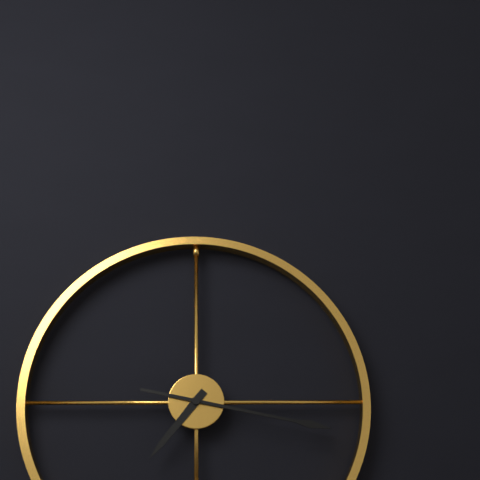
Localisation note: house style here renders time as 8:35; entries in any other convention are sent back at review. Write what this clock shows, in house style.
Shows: 7:17
